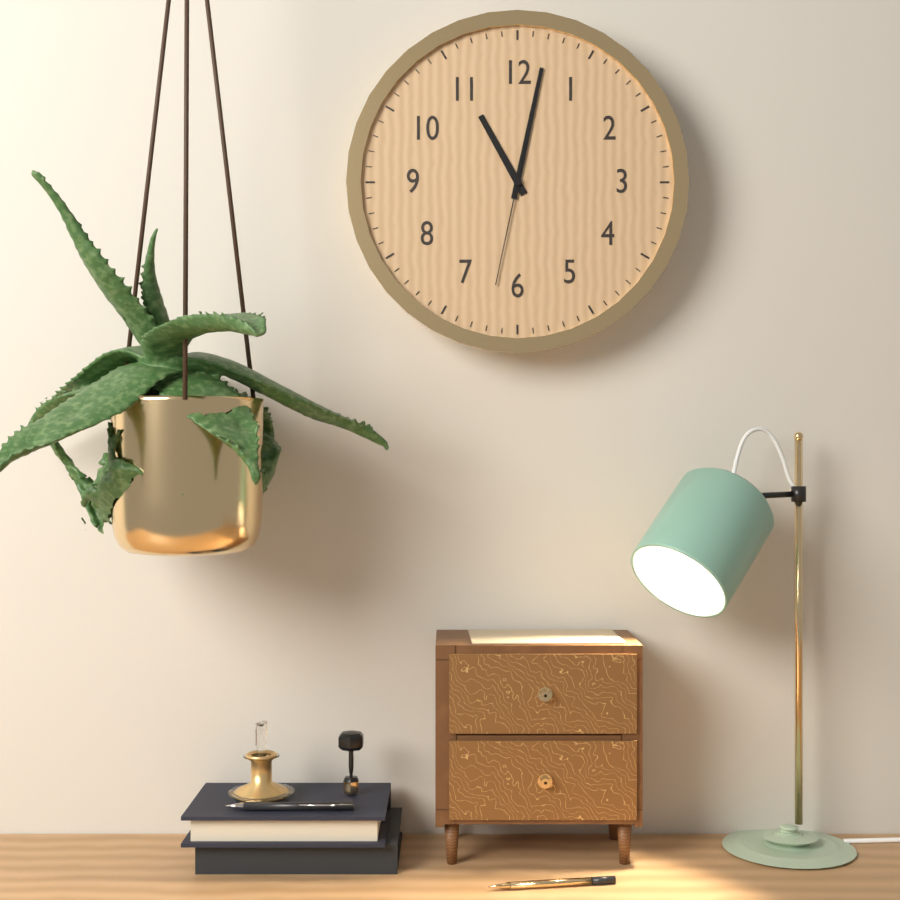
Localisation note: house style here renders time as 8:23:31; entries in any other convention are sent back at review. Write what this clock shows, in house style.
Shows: 11:02:32
